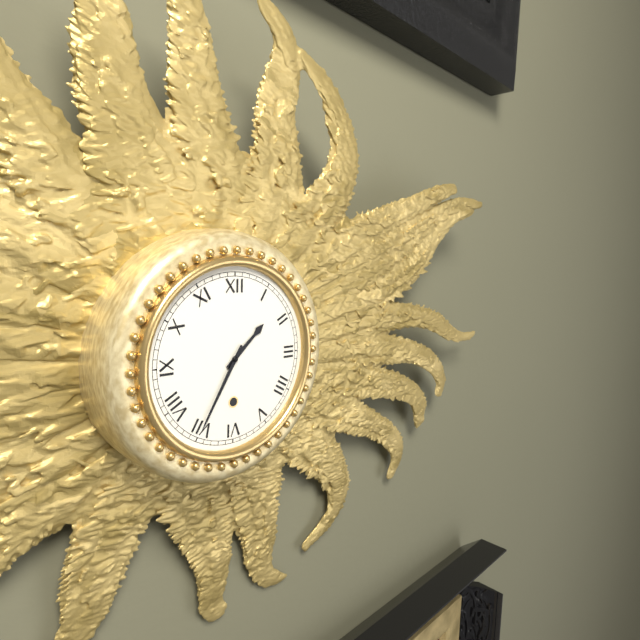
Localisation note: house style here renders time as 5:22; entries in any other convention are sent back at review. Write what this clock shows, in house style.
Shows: 1:35
